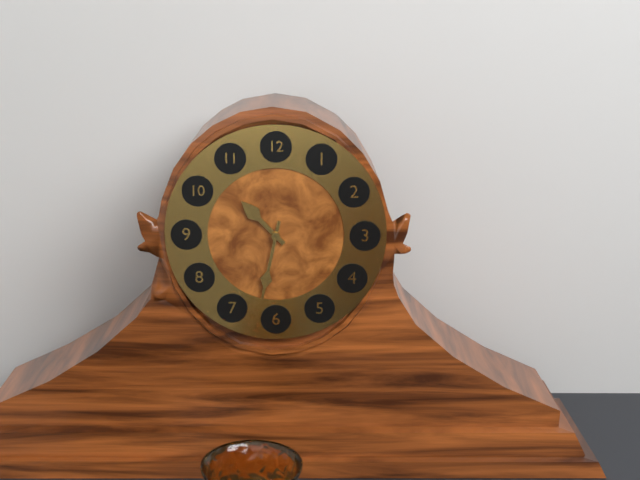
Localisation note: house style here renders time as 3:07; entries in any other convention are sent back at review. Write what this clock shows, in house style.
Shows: 10:32
